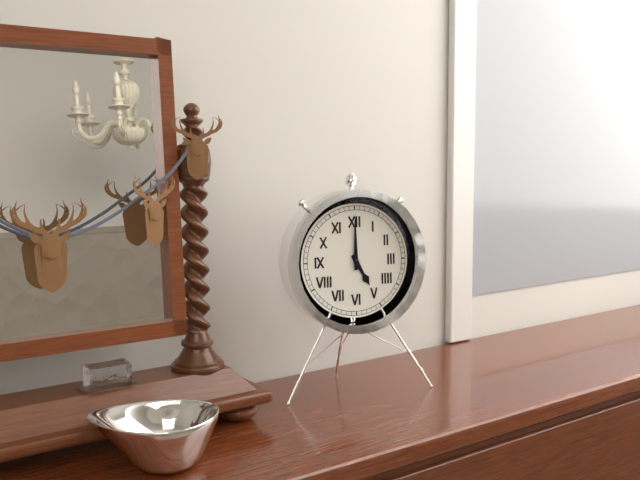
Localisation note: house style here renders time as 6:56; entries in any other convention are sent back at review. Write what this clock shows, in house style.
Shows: 5:00
